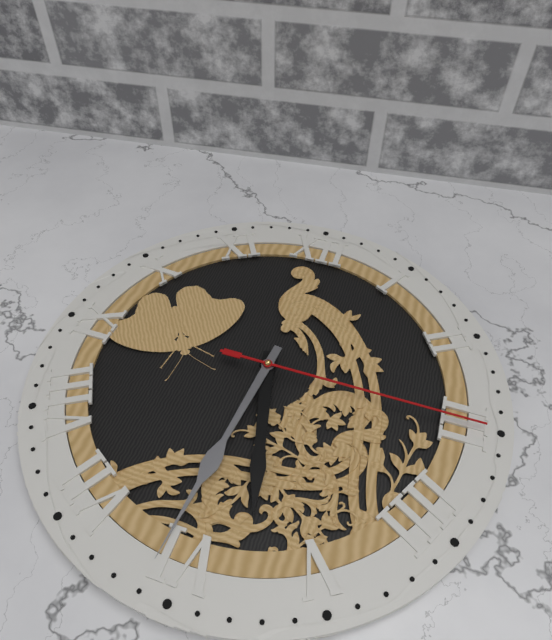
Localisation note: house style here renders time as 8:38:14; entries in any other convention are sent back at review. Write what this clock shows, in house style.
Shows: 5:31:15
